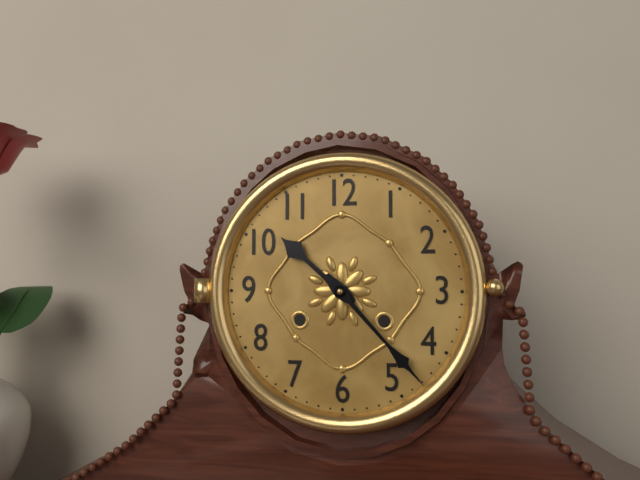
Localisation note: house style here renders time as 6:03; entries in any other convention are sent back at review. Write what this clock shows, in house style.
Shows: 10:23
